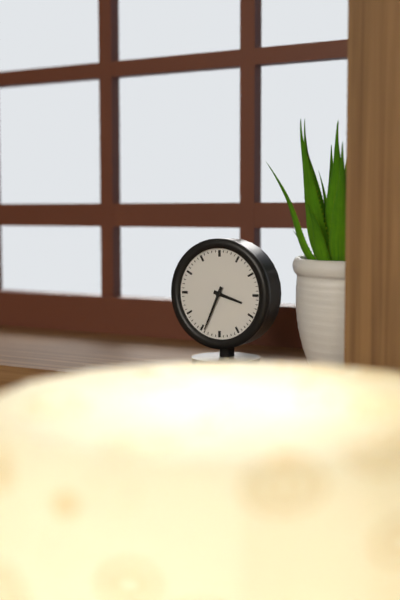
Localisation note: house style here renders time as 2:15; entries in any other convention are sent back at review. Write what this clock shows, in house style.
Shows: 3:34
